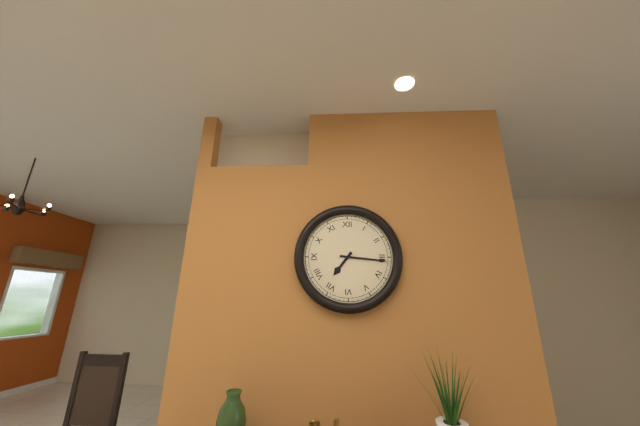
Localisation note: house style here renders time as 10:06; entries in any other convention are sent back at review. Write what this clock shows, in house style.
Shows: 7:16
